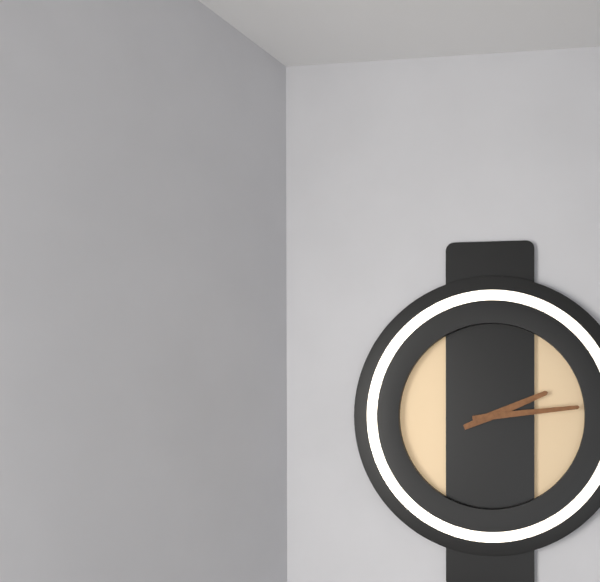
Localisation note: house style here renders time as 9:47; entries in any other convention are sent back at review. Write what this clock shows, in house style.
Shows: 2:14
